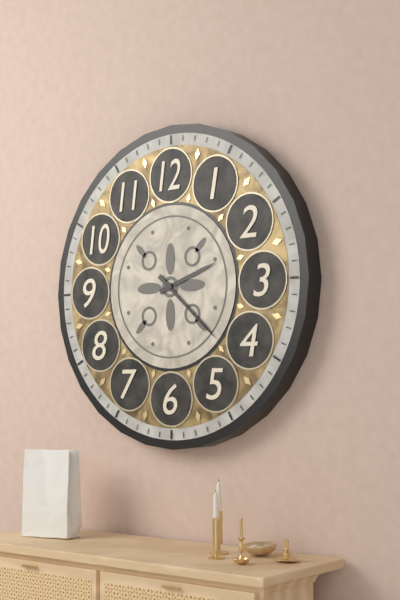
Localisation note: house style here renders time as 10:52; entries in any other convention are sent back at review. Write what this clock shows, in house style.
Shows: 2:22
